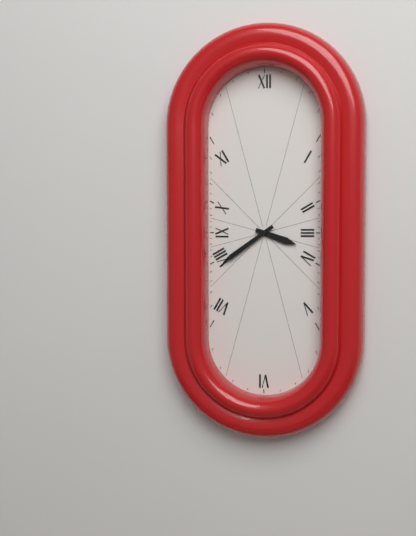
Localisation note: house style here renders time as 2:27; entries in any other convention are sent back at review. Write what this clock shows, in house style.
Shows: 3:39
